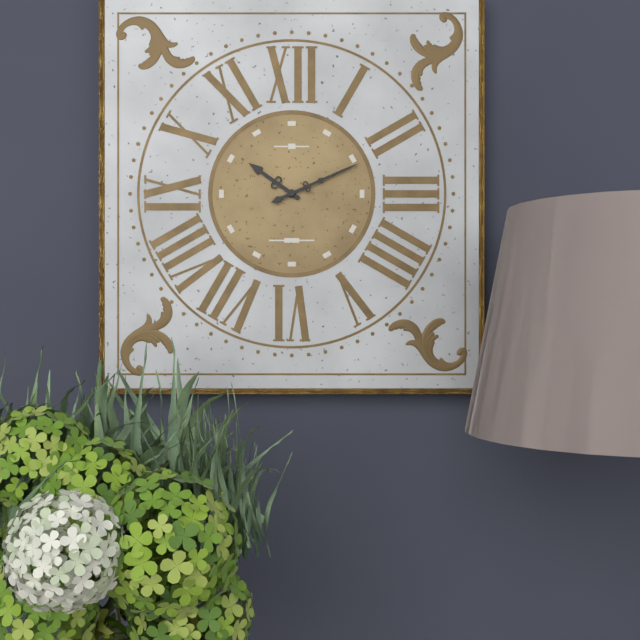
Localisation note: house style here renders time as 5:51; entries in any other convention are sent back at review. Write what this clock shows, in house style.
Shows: 10:11
